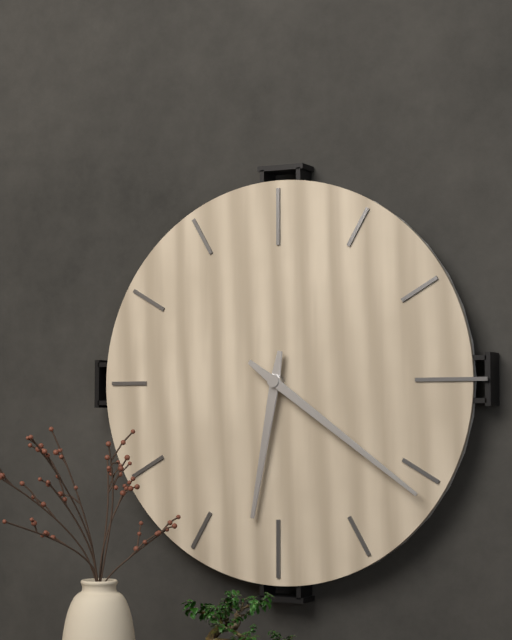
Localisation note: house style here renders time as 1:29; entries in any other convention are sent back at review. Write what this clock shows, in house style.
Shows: 6:21
